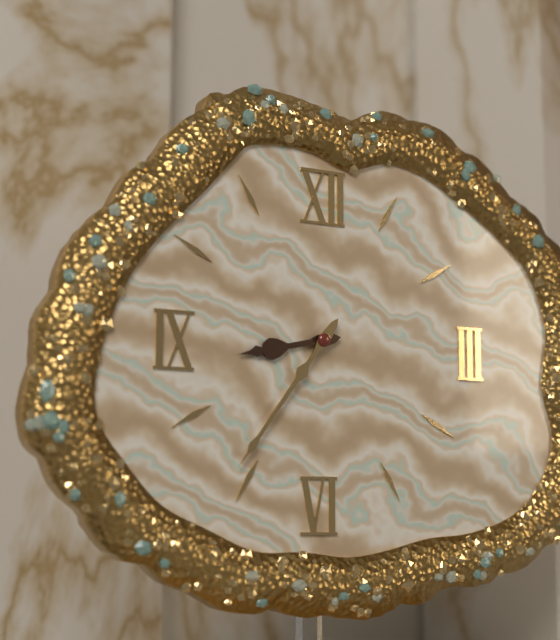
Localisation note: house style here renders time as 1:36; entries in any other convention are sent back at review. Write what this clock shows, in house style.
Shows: 8:36
